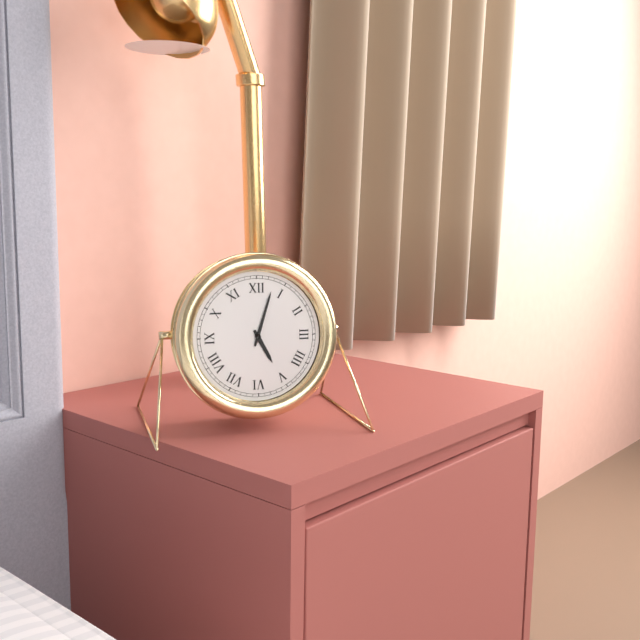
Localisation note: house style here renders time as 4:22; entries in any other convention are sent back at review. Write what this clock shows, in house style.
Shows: 5:03
